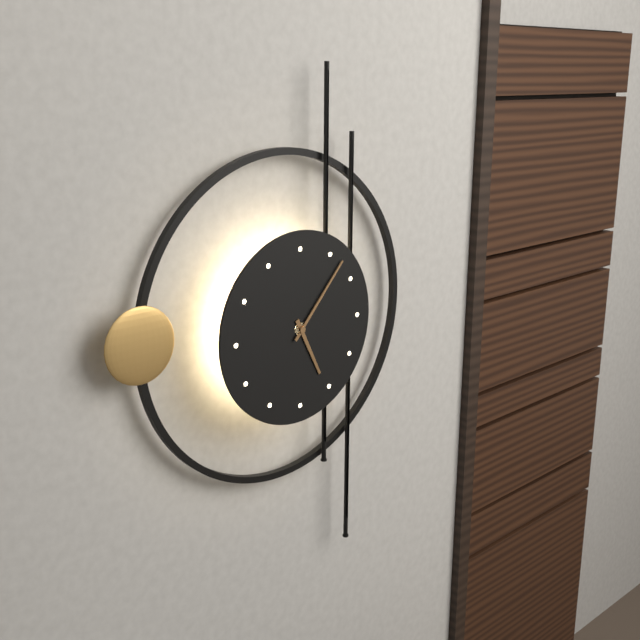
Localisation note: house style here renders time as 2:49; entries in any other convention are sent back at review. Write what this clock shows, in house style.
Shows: 5:07
